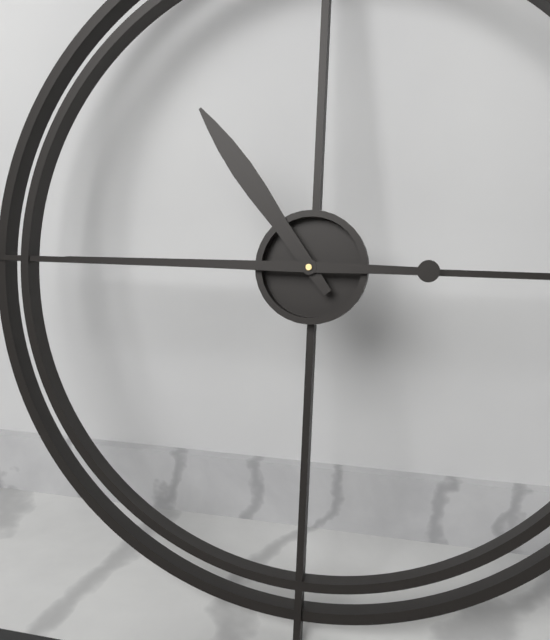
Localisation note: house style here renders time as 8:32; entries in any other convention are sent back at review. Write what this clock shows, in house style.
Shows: 10:45
